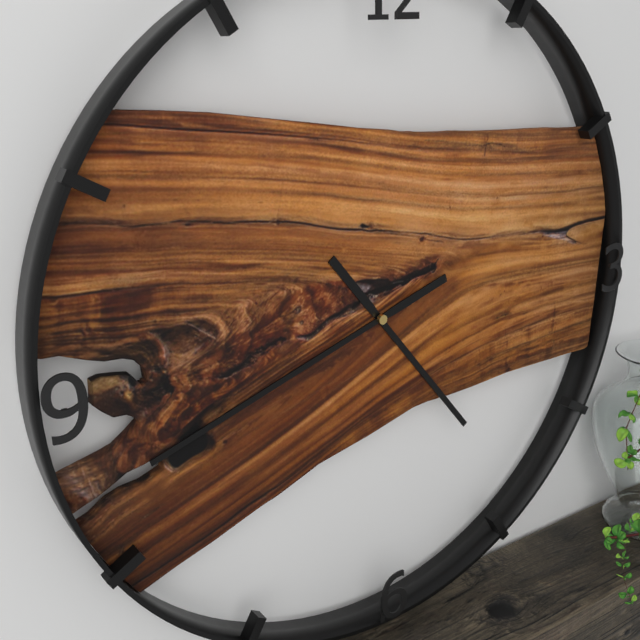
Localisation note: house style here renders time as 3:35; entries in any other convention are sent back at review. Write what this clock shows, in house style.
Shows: 4:42
